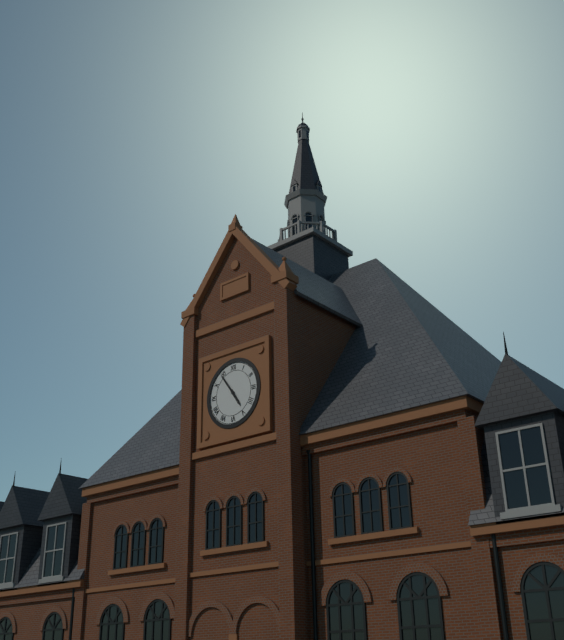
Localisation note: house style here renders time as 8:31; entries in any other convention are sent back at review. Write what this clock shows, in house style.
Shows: 4:54
